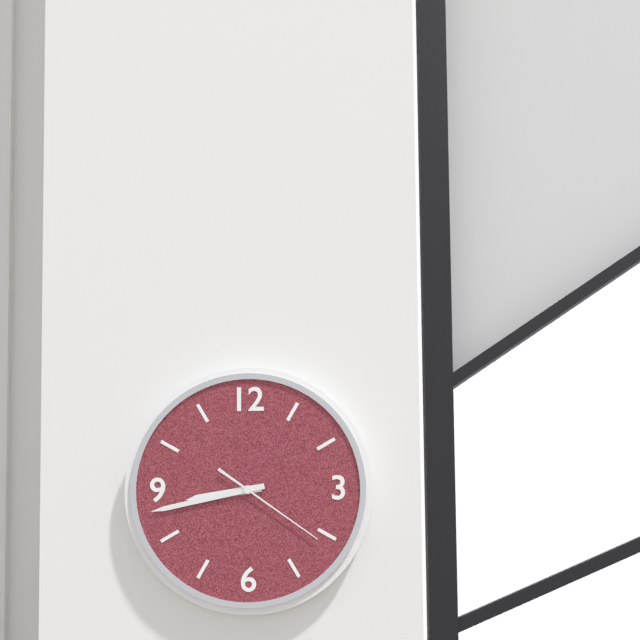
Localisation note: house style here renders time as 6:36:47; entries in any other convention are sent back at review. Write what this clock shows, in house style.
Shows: 8:43:21
